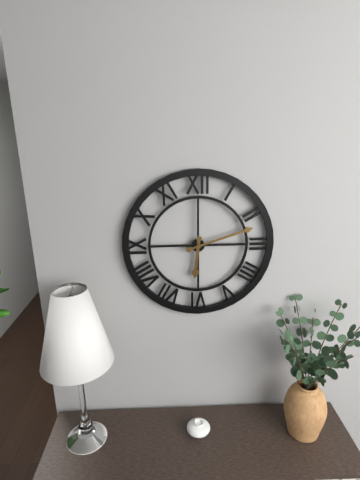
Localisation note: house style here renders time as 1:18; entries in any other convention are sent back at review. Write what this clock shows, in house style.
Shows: 6:12
